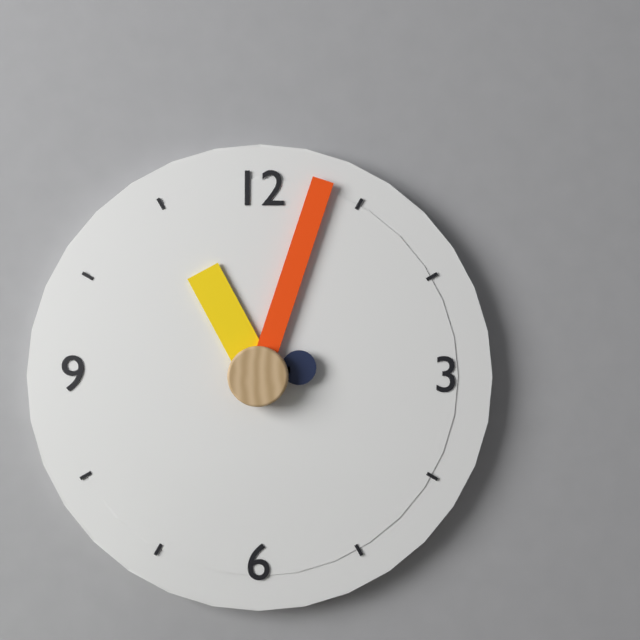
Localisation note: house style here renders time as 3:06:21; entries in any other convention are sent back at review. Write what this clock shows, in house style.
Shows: 11:03:13
